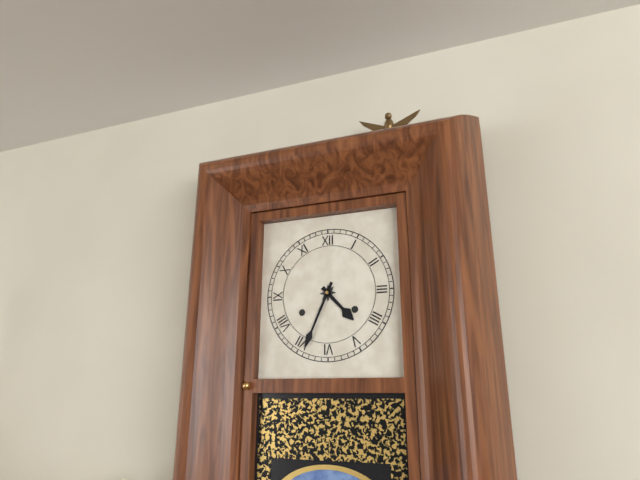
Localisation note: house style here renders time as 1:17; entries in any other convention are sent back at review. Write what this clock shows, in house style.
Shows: 4:34
